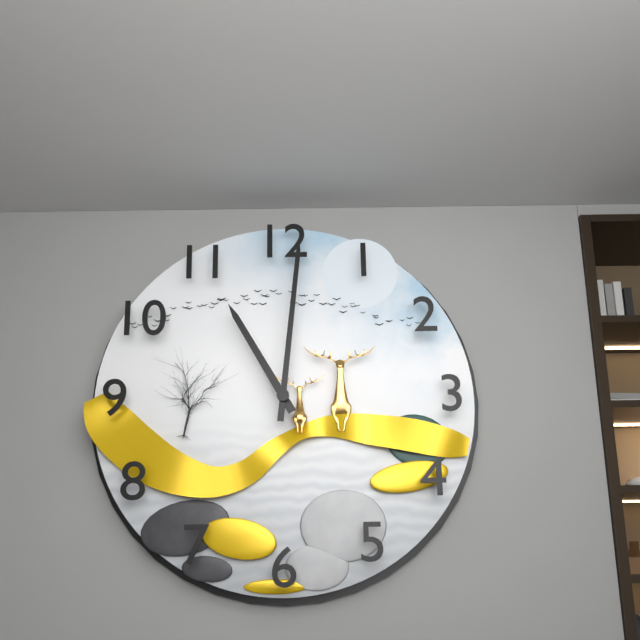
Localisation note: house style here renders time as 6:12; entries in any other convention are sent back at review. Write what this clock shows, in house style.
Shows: 11:01
